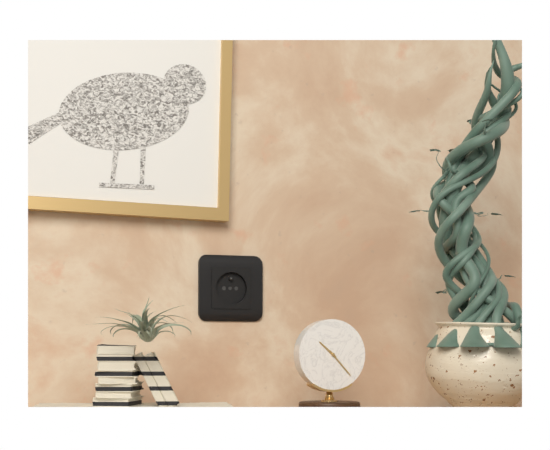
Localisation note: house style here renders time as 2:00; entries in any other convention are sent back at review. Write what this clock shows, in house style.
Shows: 10:23
